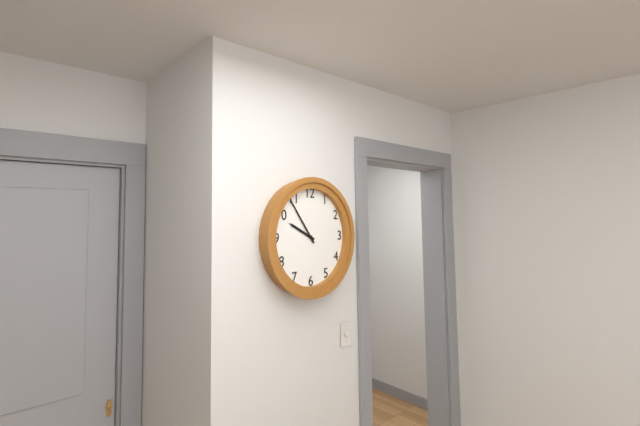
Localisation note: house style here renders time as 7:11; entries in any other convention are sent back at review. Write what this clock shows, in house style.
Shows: 9:54
